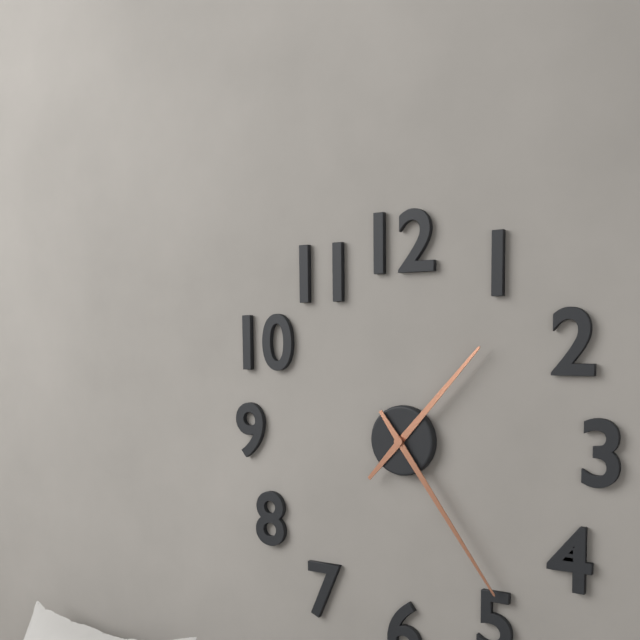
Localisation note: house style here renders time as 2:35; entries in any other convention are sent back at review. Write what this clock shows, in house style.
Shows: 1:24
